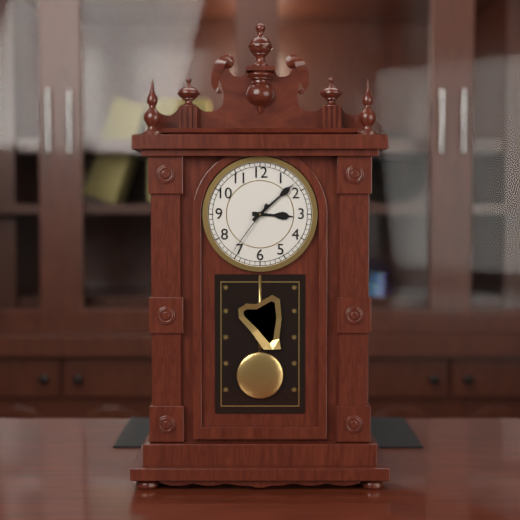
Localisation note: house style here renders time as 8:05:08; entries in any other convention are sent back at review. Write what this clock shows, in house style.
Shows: 3:08:36
